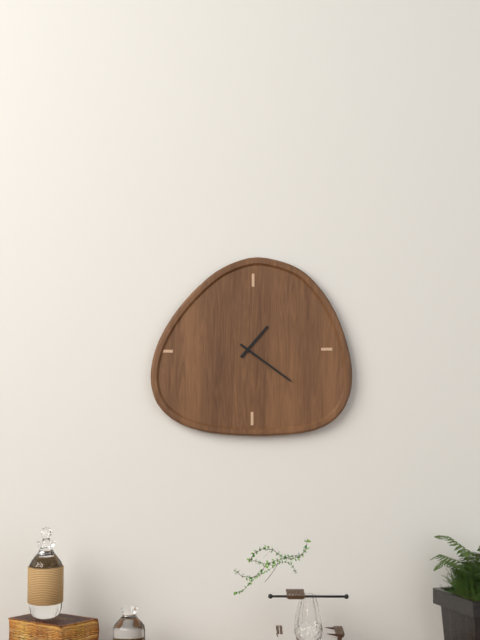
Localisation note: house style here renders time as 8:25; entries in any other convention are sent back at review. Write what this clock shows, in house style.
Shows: 1:21
